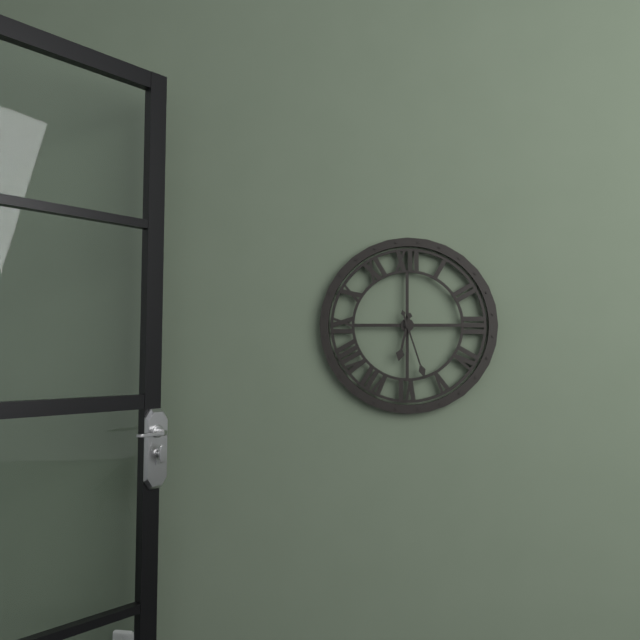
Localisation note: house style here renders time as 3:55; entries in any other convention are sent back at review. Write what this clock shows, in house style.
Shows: 6:27
